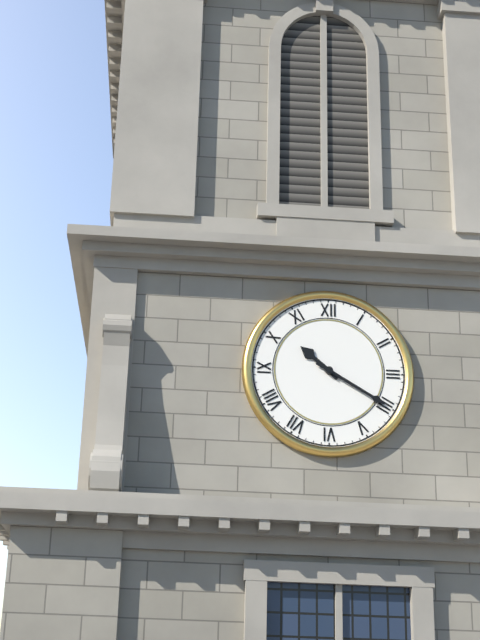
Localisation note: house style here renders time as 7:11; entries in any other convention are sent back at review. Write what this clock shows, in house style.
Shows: 10:20
